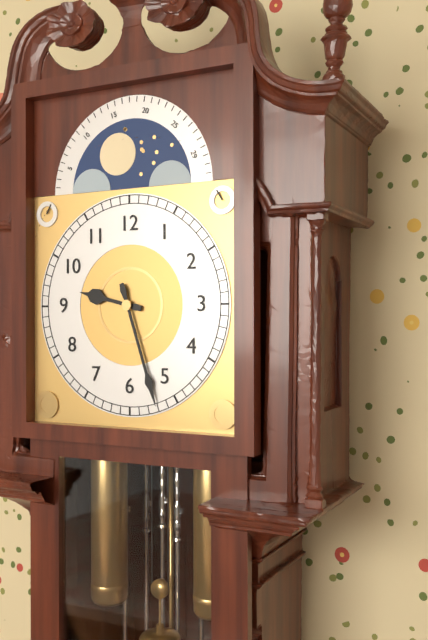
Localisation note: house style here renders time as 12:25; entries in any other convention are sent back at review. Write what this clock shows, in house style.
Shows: 9:27
